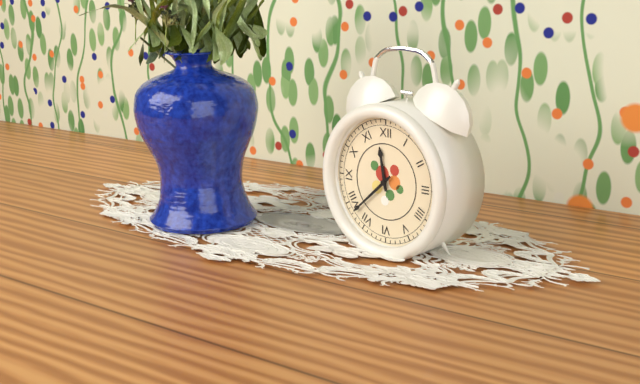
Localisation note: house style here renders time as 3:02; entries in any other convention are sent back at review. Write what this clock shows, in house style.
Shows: 11:38
